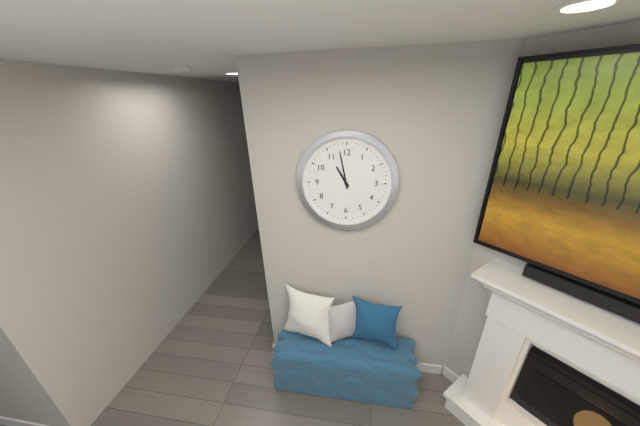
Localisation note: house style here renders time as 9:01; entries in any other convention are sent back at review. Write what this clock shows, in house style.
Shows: 10:58
